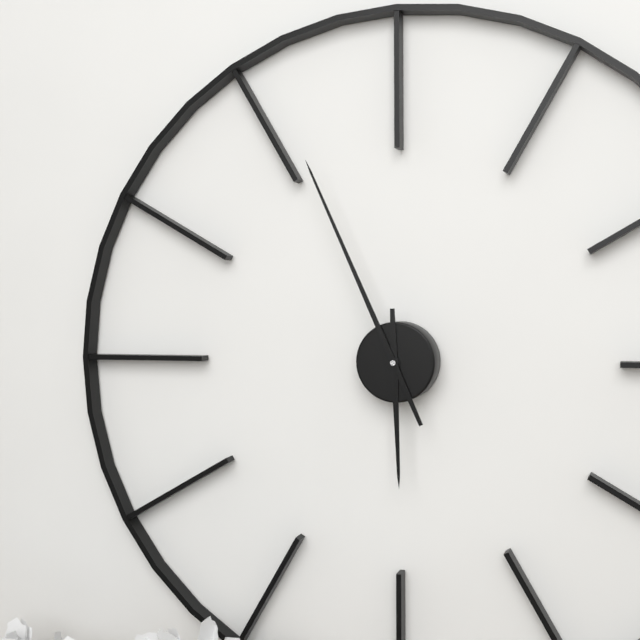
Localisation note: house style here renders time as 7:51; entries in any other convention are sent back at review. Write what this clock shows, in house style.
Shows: 5:56
